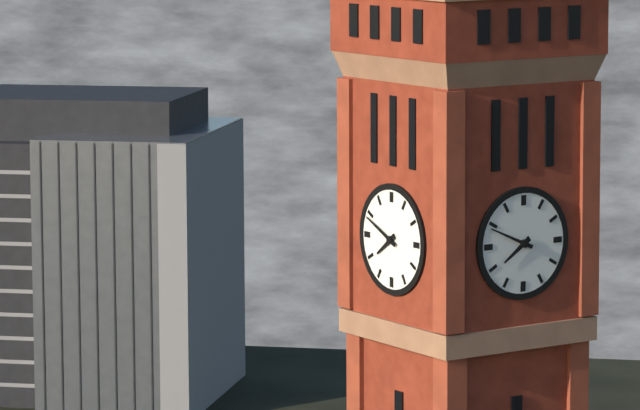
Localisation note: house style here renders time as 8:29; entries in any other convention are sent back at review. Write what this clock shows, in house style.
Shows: 7:49
